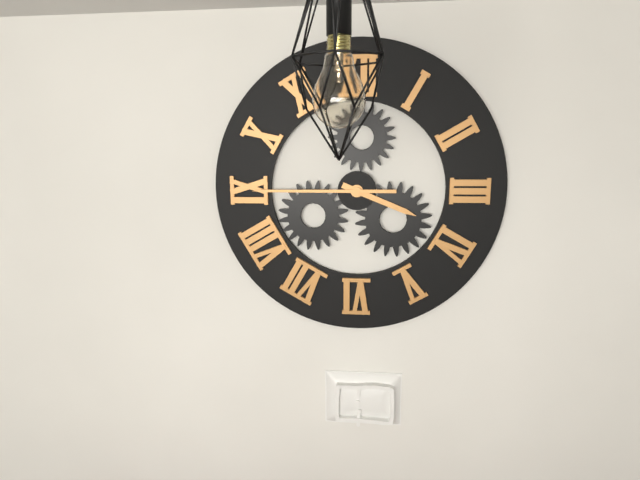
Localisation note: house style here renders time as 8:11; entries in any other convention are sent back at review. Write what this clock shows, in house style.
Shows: 3:45
